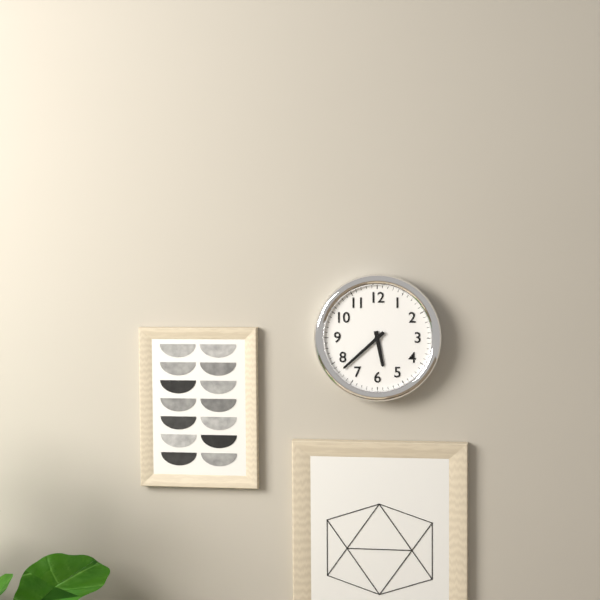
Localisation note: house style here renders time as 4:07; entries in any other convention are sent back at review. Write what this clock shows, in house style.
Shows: 5:38
